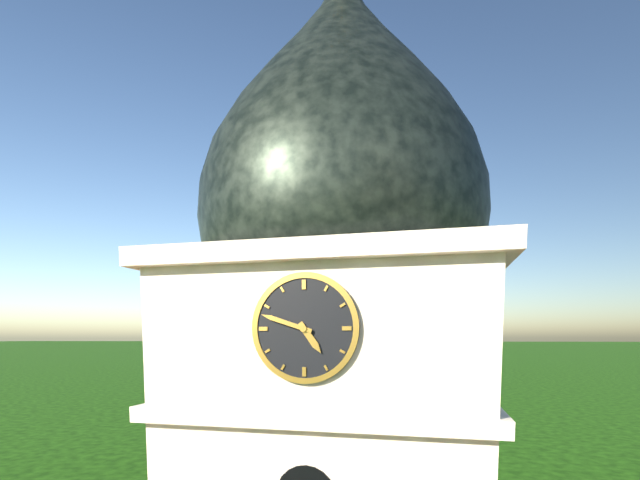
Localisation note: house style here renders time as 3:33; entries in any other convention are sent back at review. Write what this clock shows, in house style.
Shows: 4:48
